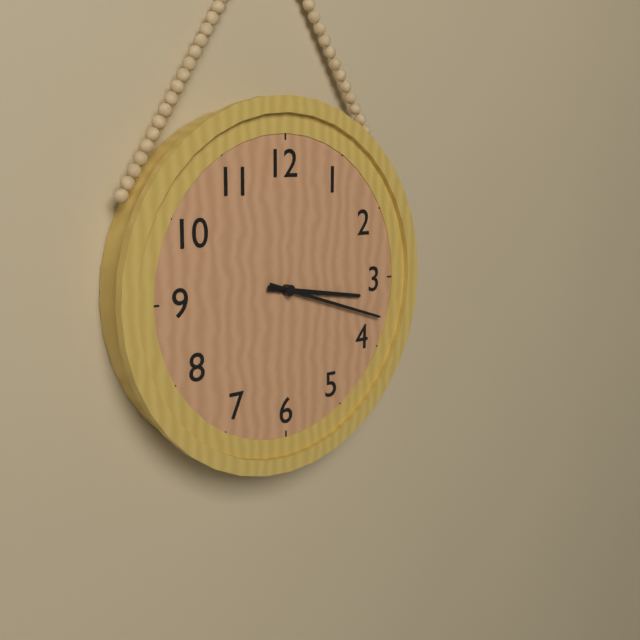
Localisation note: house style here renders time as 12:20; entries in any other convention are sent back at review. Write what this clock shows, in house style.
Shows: 3:18
